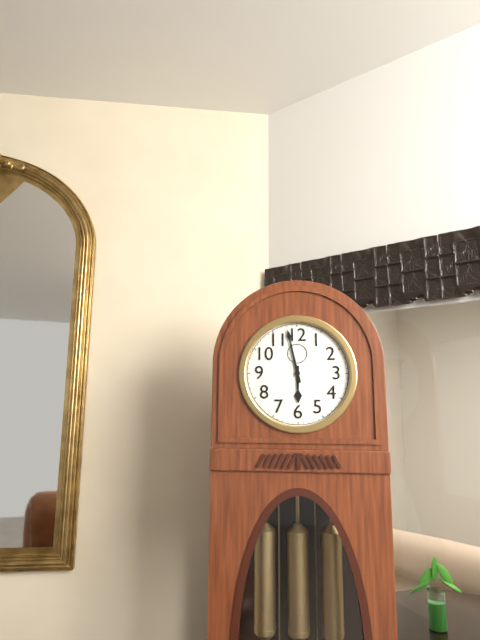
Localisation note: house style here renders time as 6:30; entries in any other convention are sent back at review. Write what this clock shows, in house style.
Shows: 5:58
